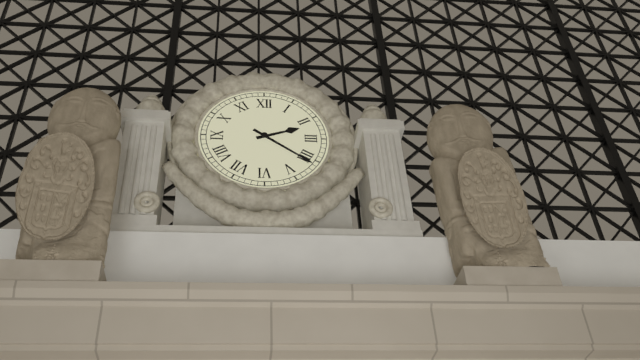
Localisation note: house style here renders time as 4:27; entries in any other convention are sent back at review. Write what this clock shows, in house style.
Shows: 2:21
